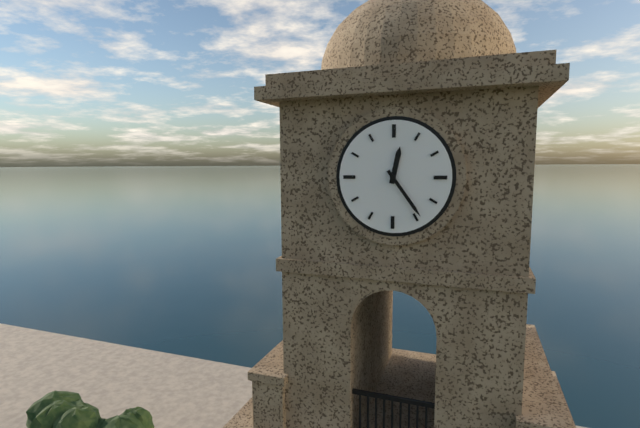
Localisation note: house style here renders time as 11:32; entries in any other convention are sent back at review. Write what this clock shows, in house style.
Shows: 12:24
